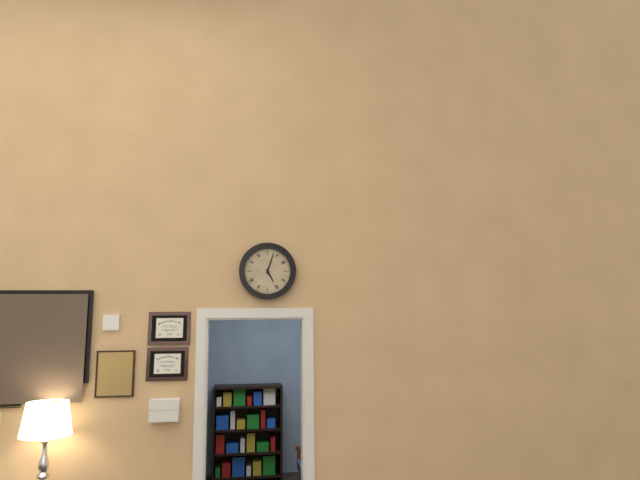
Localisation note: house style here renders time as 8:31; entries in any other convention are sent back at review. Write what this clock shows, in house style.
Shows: 5:03
